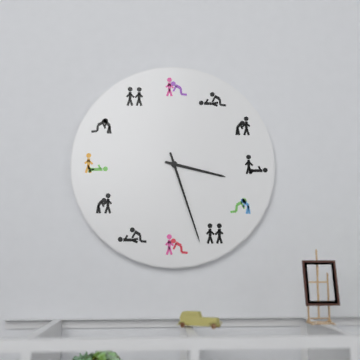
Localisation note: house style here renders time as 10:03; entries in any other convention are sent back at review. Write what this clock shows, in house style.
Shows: 3:27
